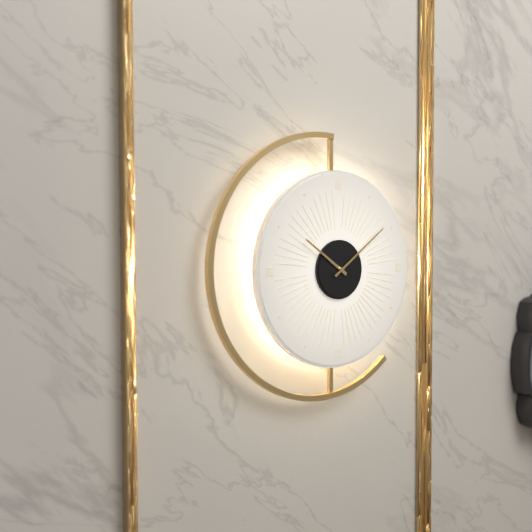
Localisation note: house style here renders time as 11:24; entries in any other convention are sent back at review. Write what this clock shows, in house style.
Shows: 10:09
